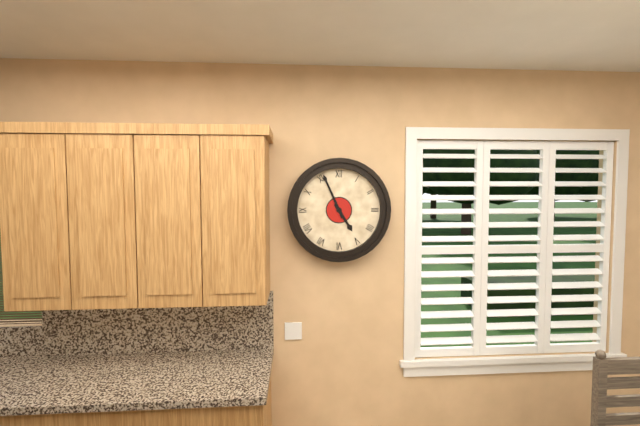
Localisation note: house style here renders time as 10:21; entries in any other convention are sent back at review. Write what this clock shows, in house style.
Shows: 4:56
